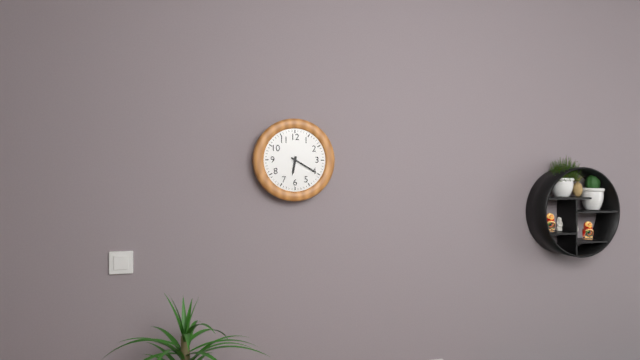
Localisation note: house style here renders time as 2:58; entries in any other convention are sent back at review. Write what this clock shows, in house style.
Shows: 6:20
